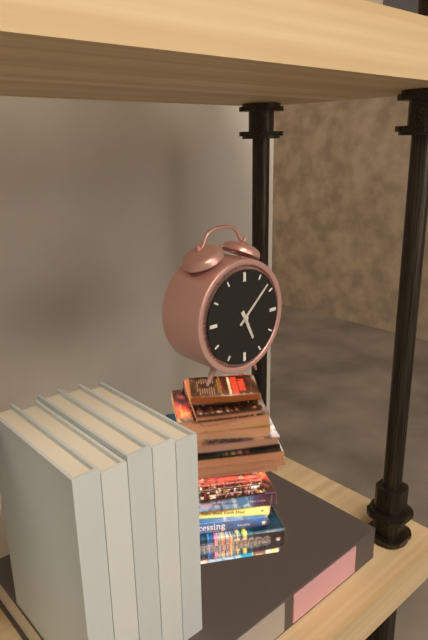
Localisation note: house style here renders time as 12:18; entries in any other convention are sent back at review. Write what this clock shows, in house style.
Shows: 5:08
